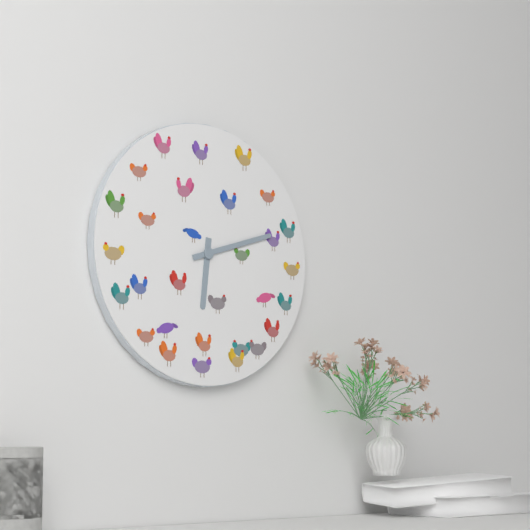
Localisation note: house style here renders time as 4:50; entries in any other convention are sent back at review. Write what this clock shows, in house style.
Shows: 6:12
